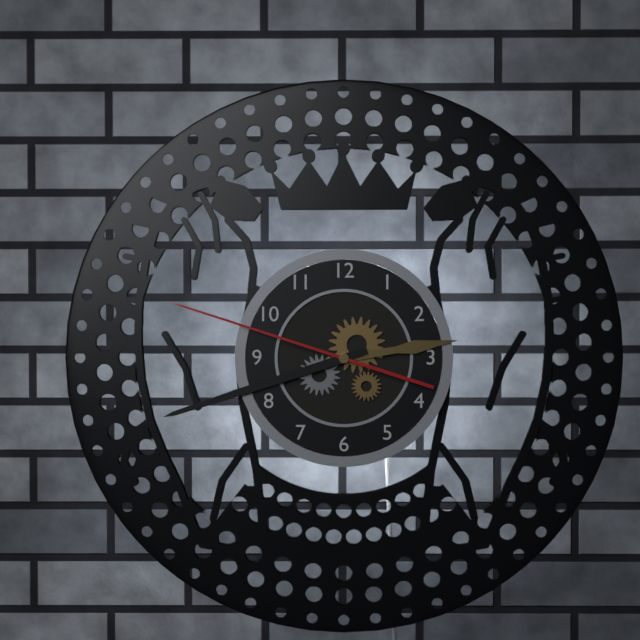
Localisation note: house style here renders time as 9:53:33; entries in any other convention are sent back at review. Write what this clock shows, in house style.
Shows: 2:42:48
